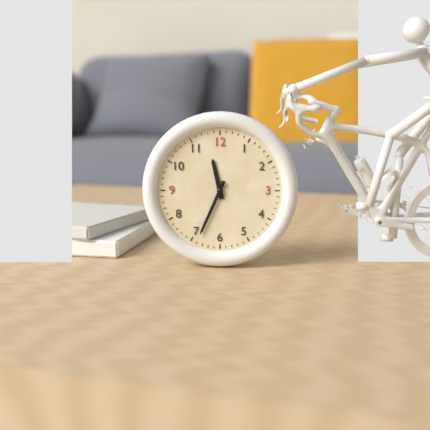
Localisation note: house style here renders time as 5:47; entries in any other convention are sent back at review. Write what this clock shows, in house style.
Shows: 11:34
